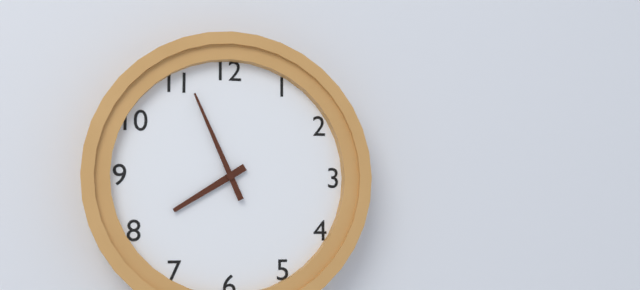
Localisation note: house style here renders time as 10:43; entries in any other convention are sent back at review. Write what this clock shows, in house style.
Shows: 7:56
